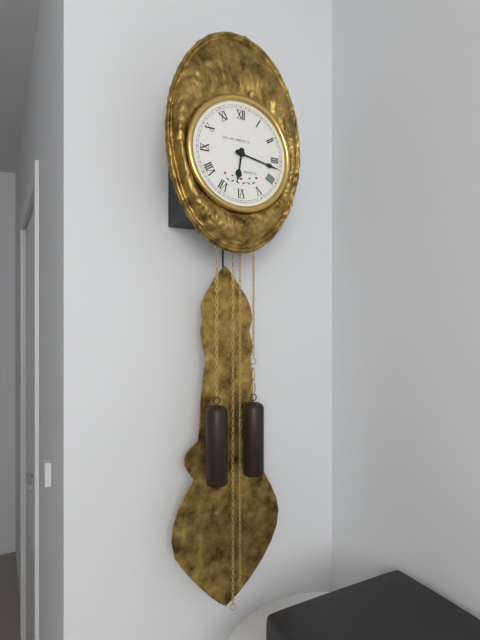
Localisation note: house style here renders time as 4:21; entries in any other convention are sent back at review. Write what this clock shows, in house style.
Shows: 6:17
